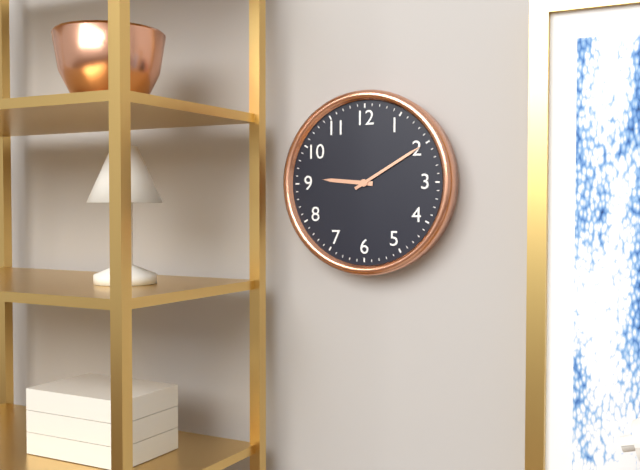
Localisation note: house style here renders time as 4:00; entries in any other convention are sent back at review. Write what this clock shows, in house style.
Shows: 9:10
